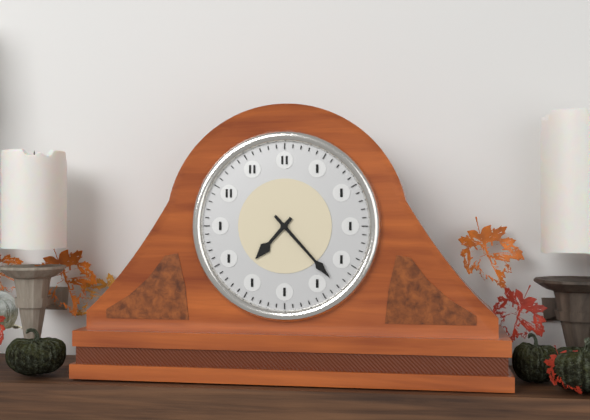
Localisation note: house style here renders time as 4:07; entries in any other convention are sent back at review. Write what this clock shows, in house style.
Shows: 7:23
